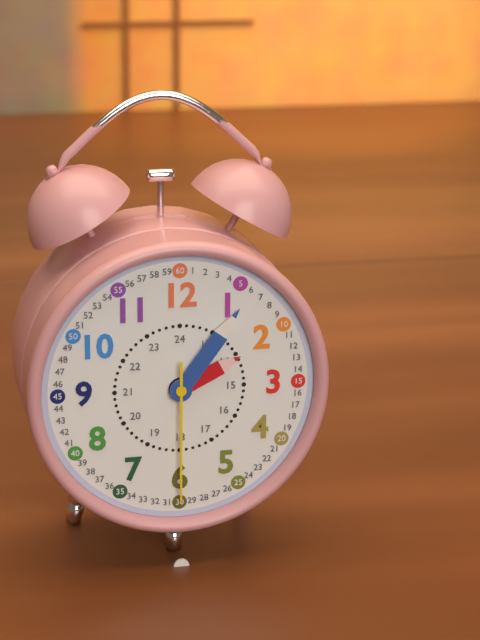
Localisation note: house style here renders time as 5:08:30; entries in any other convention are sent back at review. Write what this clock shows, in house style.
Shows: 2:06:30
